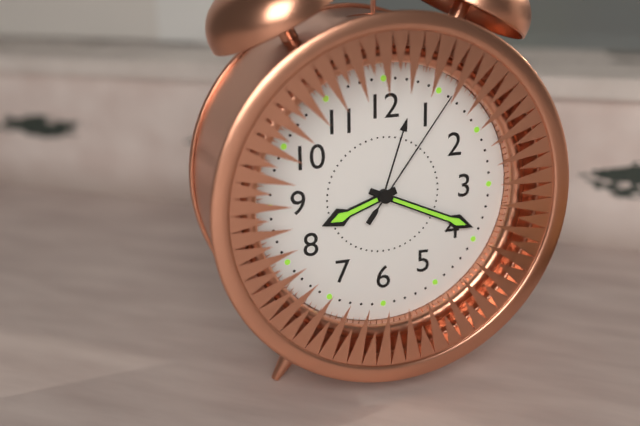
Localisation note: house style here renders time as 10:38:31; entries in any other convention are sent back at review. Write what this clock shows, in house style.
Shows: 8:19:06
